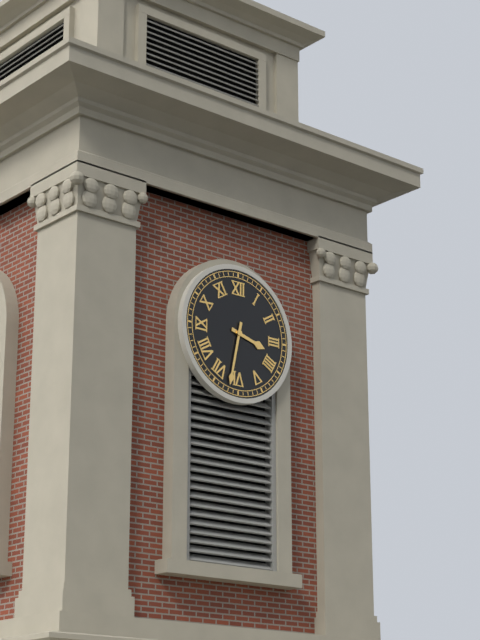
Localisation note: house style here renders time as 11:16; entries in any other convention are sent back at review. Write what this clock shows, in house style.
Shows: 3:32
